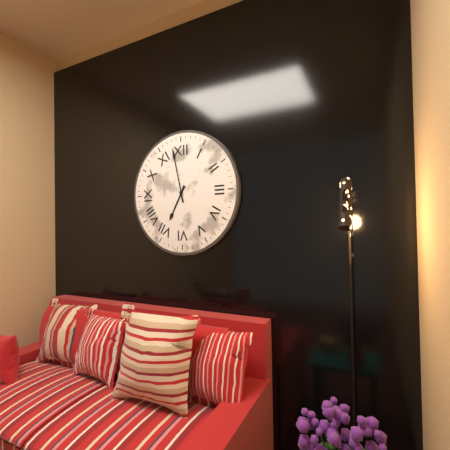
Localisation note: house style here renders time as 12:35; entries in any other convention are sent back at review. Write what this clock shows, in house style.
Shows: 6:58
